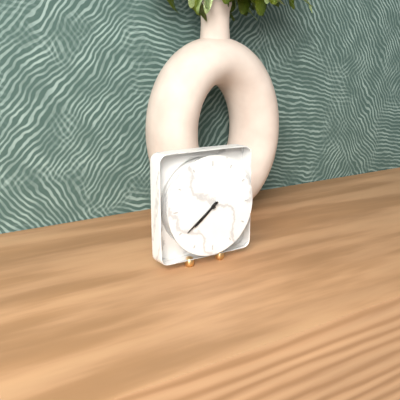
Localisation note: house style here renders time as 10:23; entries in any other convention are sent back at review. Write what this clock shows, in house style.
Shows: 7:39
